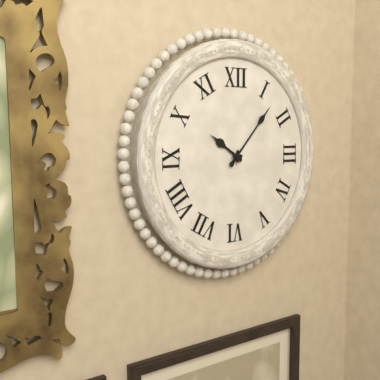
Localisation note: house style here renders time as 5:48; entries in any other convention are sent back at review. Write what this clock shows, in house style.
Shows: 10:07
